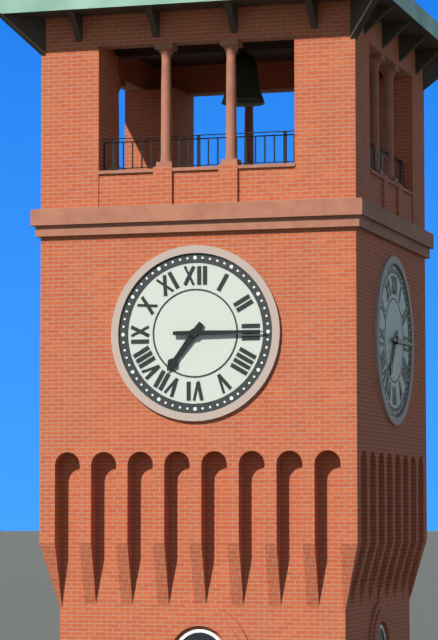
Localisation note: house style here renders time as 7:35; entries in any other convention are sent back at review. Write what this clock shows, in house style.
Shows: 7:15
